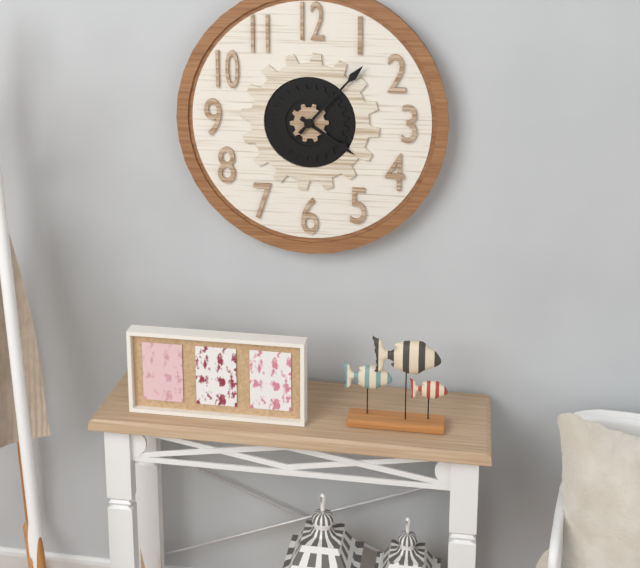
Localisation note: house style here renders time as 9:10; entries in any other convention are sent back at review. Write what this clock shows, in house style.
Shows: 4:07
